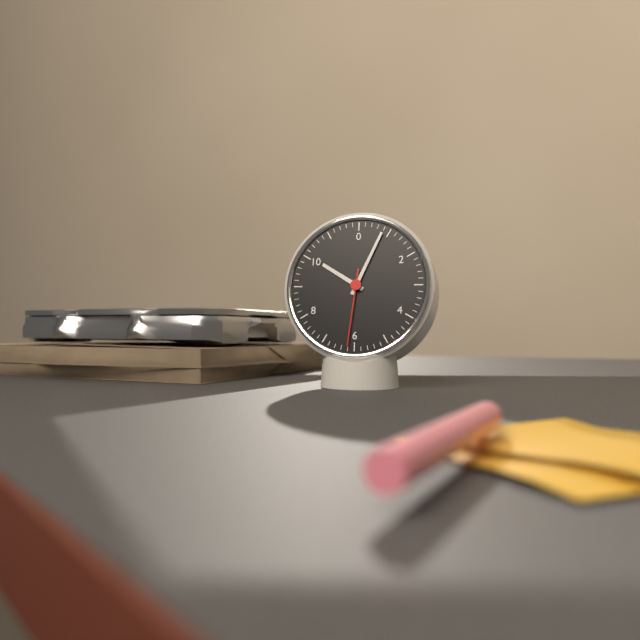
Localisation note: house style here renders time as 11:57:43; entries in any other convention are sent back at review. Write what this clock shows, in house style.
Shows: 10:04:31
